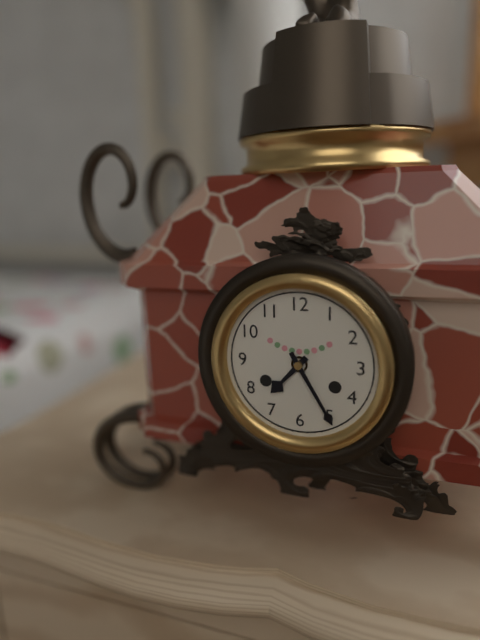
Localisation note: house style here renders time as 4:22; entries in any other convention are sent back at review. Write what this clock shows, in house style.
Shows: 7:25
